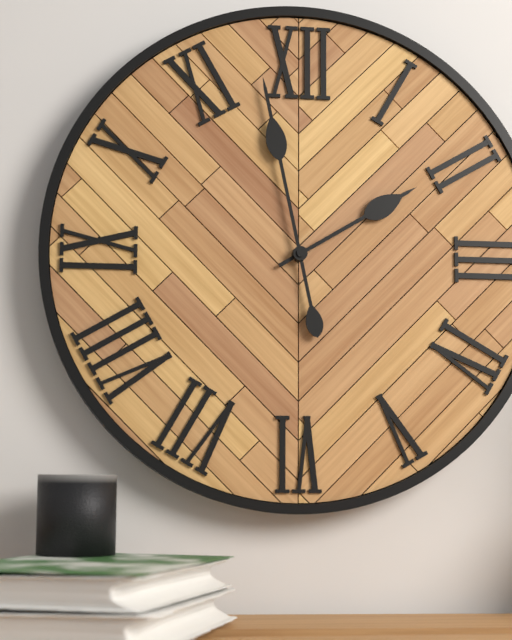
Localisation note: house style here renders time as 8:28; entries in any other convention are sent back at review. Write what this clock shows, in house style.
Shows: 1:58
